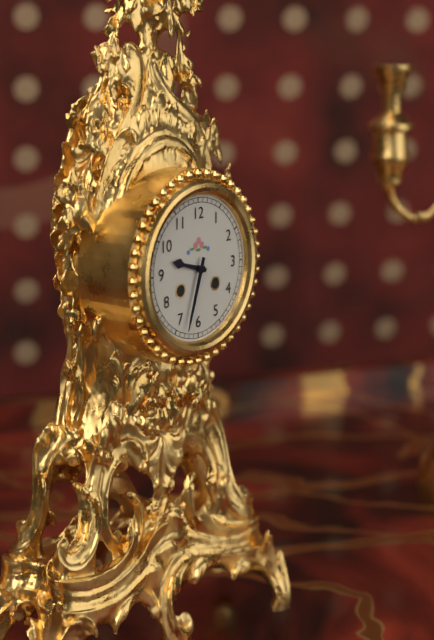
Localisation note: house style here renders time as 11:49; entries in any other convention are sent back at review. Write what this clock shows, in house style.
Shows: 9:33
